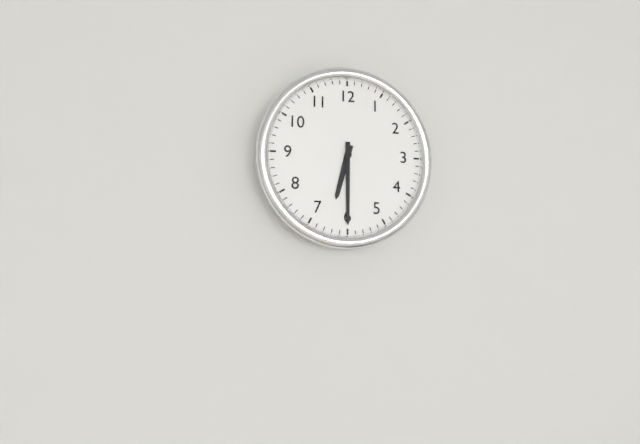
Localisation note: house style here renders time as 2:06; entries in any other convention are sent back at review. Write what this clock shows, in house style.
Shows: 6:30
